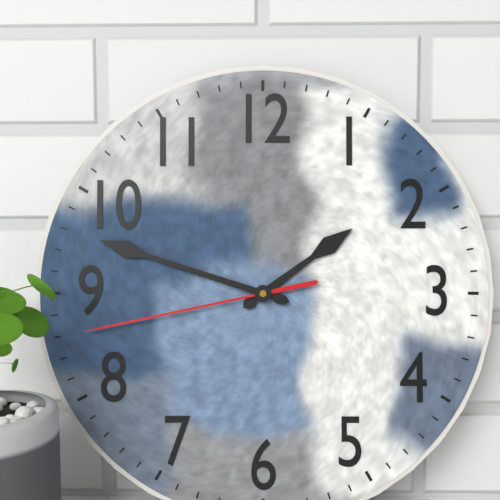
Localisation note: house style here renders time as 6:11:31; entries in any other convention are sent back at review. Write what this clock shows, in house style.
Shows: 1:48:43
